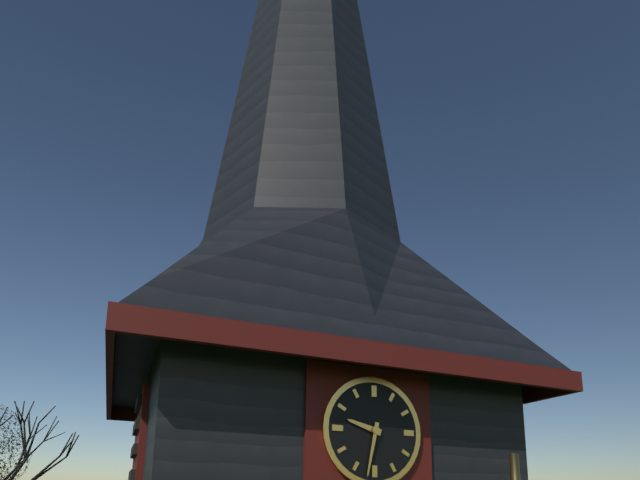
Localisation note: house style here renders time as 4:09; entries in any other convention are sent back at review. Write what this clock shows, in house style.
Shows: 9:32
